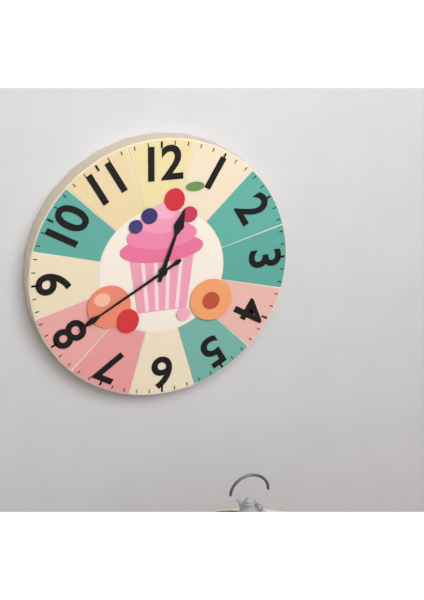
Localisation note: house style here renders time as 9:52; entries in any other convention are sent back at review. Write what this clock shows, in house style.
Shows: 12:40
